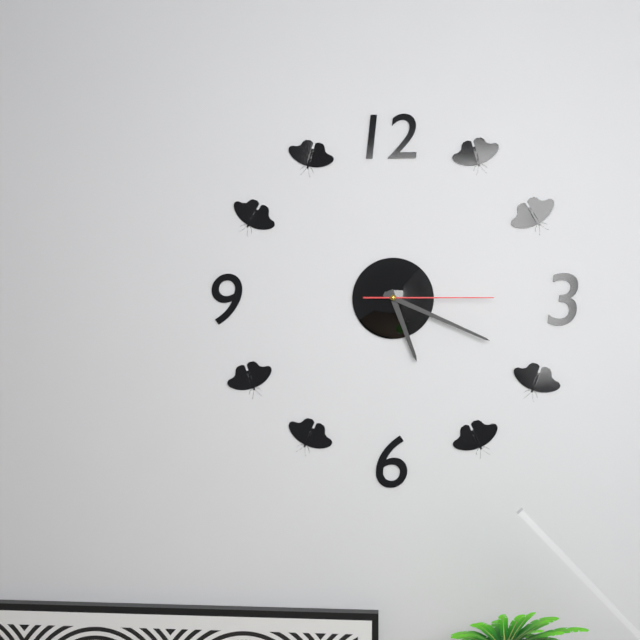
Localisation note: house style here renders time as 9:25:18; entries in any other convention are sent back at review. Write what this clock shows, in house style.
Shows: 5:19:15
